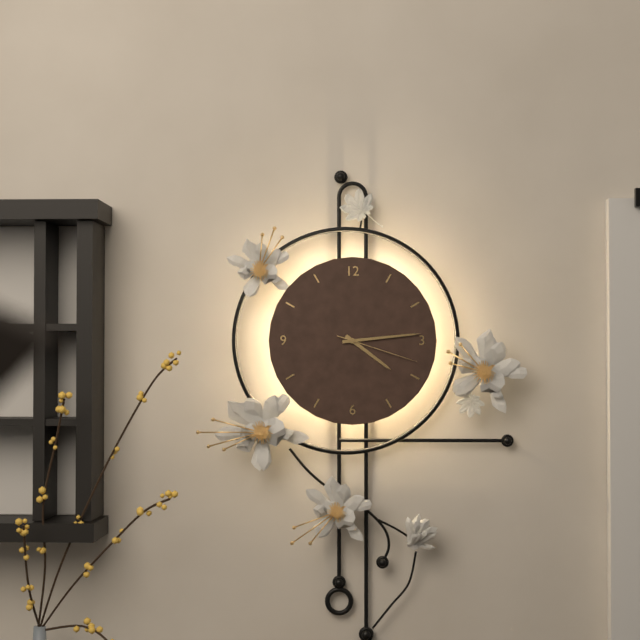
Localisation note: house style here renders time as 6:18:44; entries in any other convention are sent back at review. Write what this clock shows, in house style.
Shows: 4:14:18
